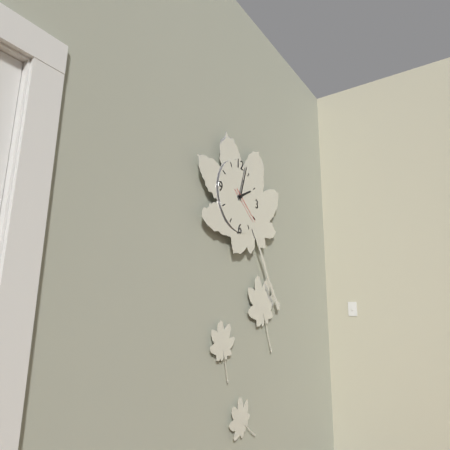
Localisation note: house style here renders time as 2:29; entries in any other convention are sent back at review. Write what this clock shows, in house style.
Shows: 2:03
